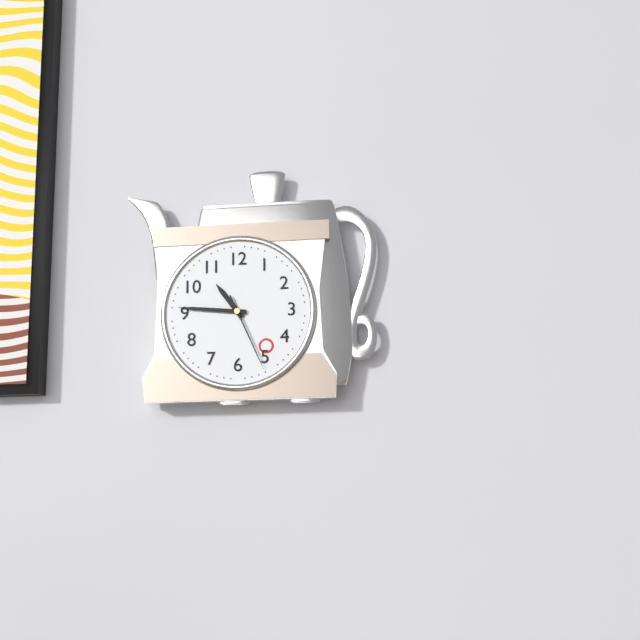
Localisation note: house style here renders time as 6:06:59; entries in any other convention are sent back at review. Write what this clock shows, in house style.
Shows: 10:46:26
